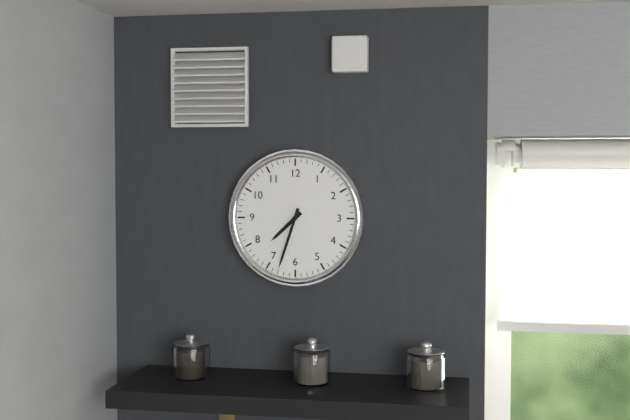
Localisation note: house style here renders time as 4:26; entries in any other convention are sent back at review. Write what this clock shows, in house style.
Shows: 7:33
